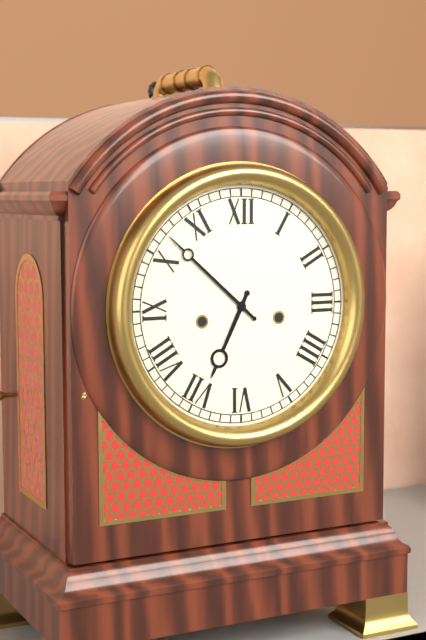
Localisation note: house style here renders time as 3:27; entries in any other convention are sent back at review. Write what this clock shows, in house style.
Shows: 6:52
